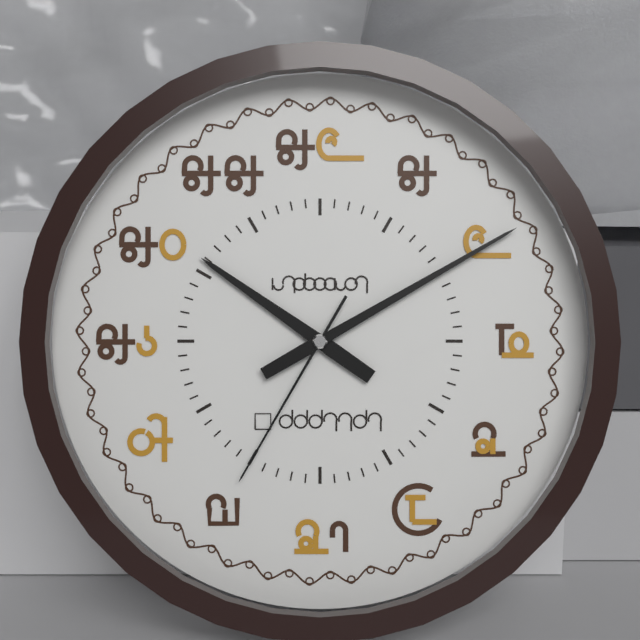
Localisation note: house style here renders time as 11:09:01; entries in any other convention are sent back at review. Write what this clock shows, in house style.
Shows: 10:10:35
